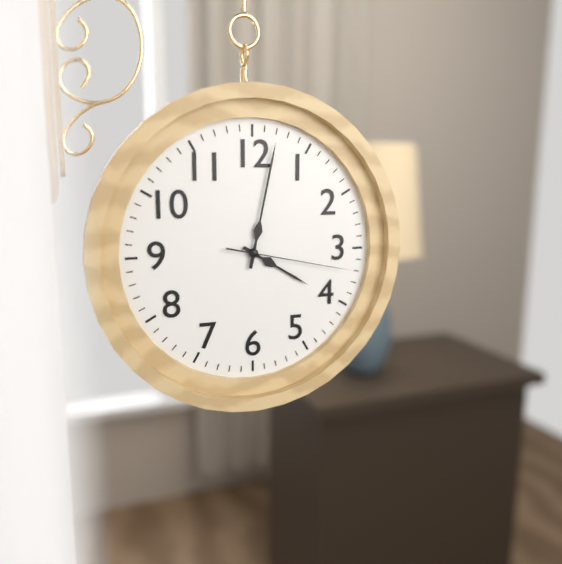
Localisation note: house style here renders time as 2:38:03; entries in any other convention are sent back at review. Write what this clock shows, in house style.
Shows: 4:02:17
